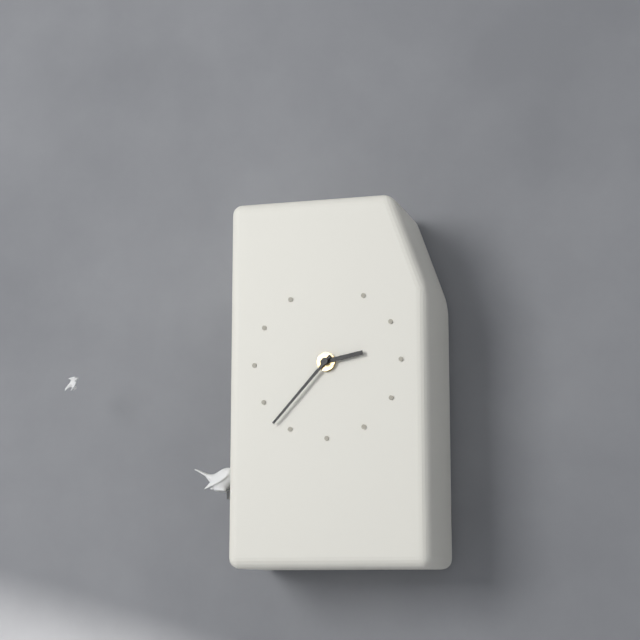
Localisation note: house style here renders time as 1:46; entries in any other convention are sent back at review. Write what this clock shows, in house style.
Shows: 2:37
